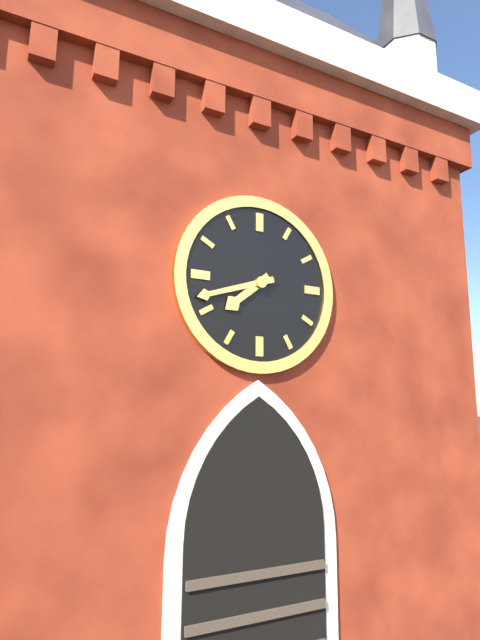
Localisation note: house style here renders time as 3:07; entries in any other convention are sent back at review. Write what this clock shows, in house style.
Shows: 7:42
